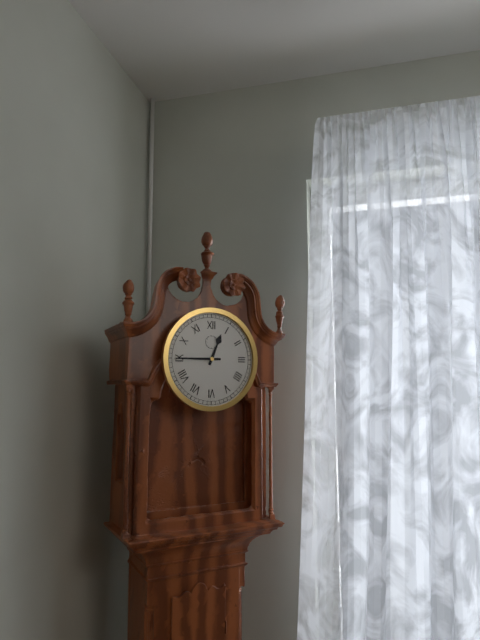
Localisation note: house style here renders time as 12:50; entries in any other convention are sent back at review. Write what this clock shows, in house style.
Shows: 12:45
